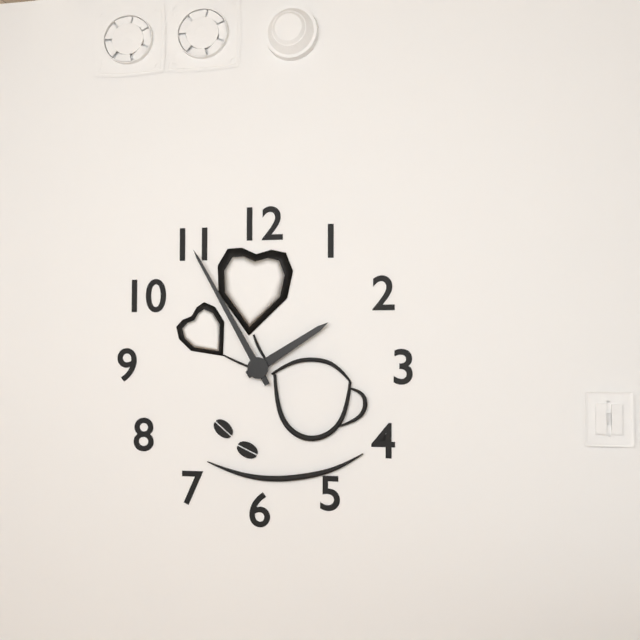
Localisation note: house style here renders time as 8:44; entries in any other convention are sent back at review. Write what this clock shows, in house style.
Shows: 1:55
